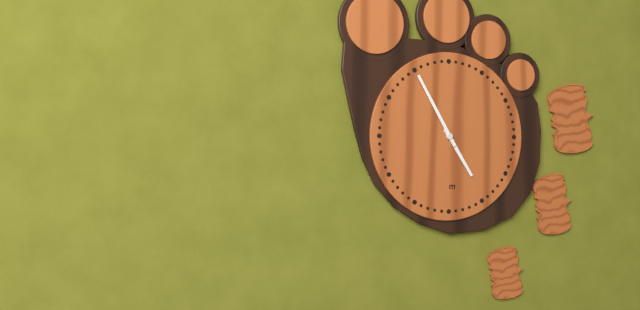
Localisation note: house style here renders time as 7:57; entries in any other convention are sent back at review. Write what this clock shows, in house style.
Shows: 4:55
